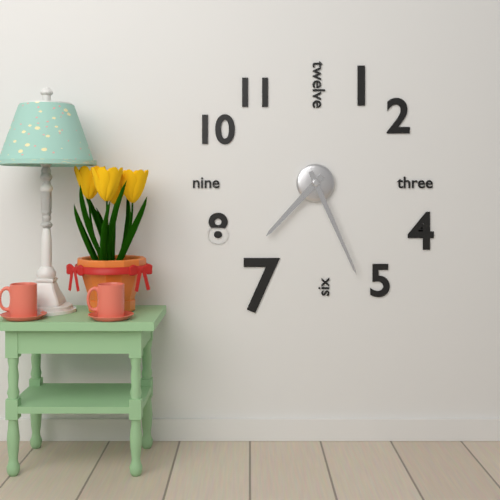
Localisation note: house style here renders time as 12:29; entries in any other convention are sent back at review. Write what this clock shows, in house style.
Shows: 7:26
